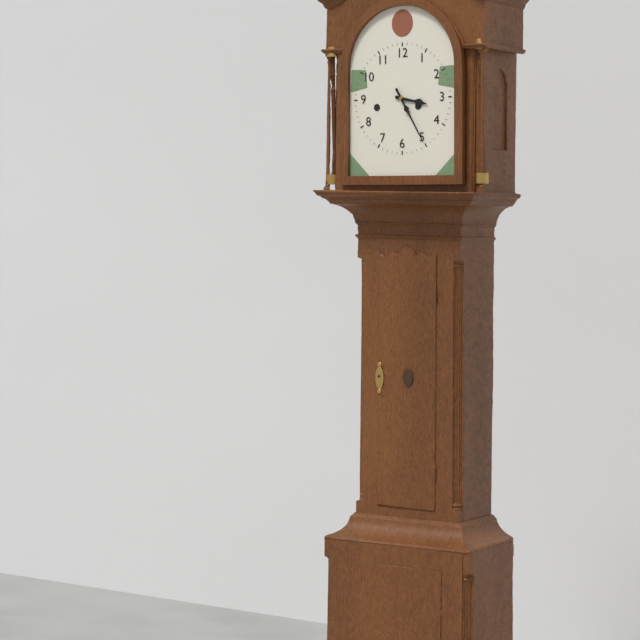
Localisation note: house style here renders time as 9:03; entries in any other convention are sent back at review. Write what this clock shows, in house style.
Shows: 3:25
